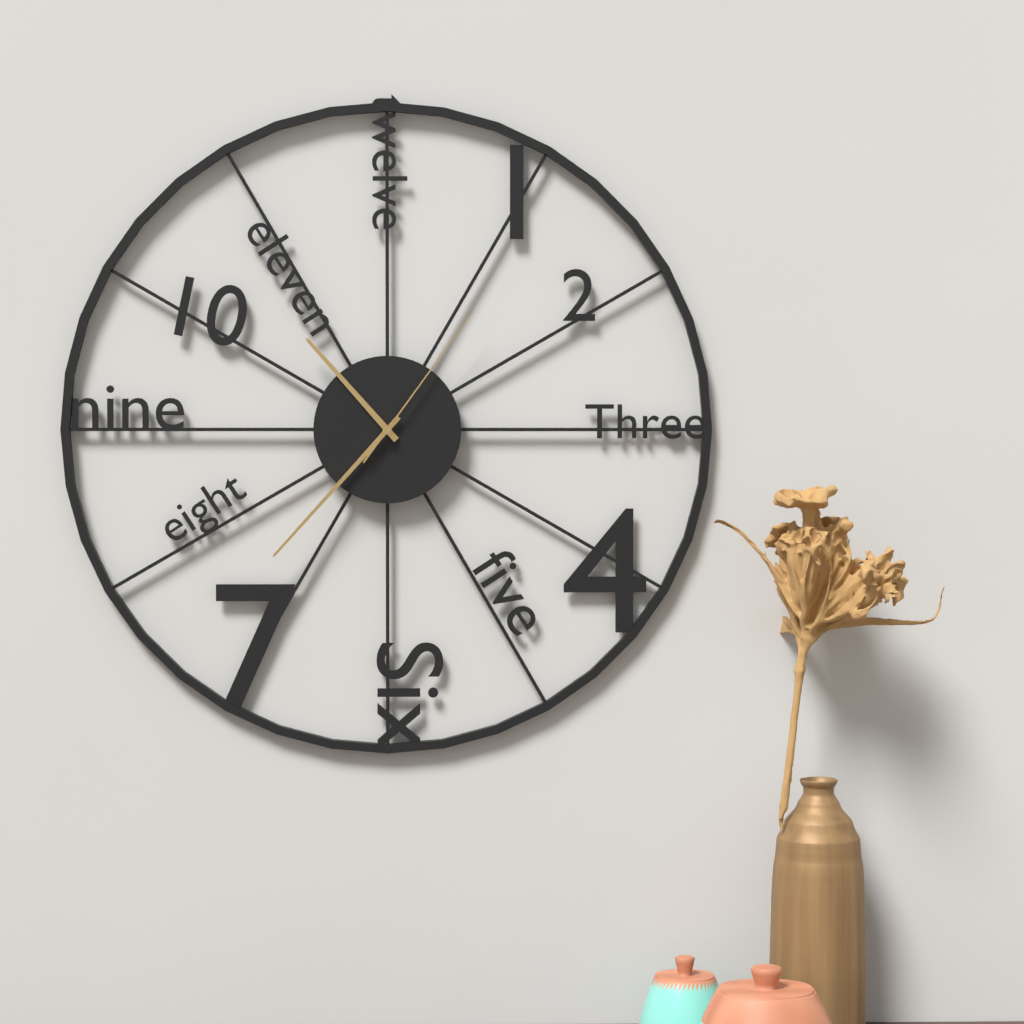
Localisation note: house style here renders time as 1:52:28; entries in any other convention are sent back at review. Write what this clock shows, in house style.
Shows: 10:37:06
